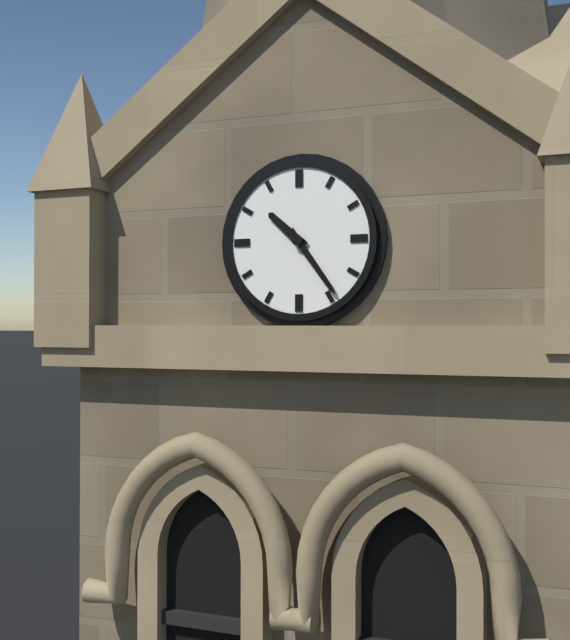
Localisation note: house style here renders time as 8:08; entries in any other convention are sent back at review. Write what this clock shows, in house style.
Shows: 10:24
